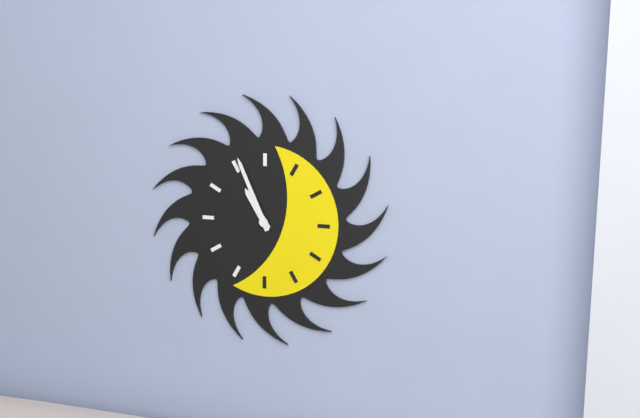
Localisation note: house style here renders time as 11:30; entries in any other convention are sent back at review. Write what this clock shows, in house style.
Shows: 10:56
